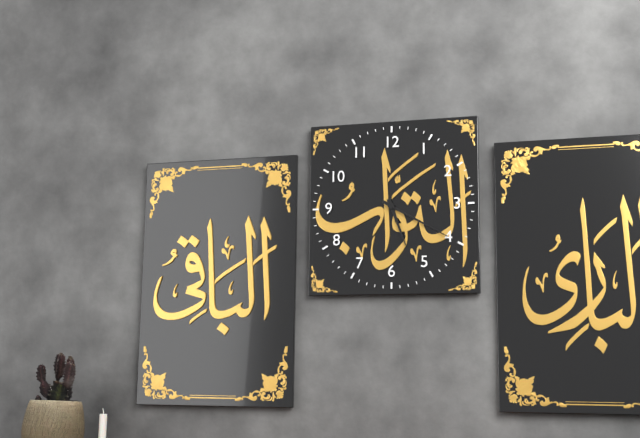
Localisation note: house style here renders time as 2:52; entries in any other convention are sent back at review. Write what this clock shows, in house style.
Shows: 5:20
